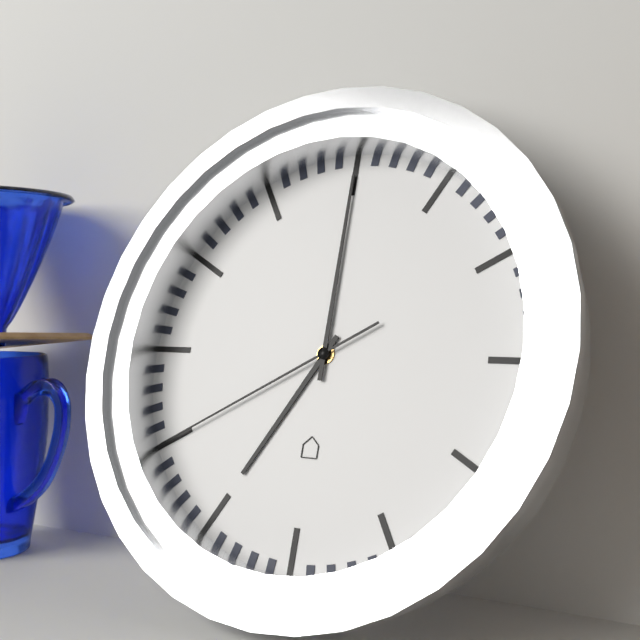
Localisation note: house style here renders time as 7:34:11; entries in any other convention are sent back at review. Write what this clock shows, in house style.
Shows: 7:00:40
